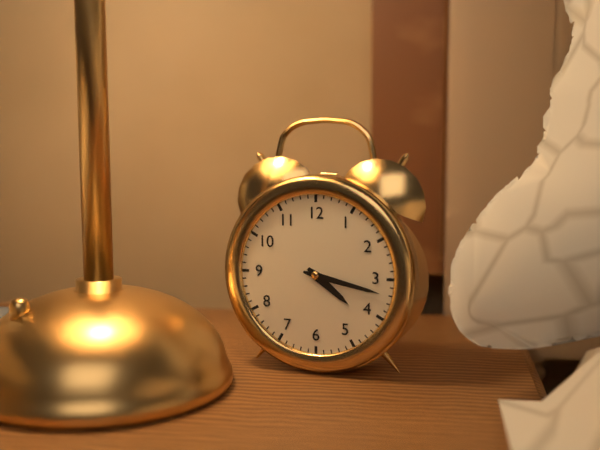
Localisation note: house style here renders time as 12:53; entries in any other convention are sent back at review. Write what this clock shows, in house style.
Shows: 4:17
